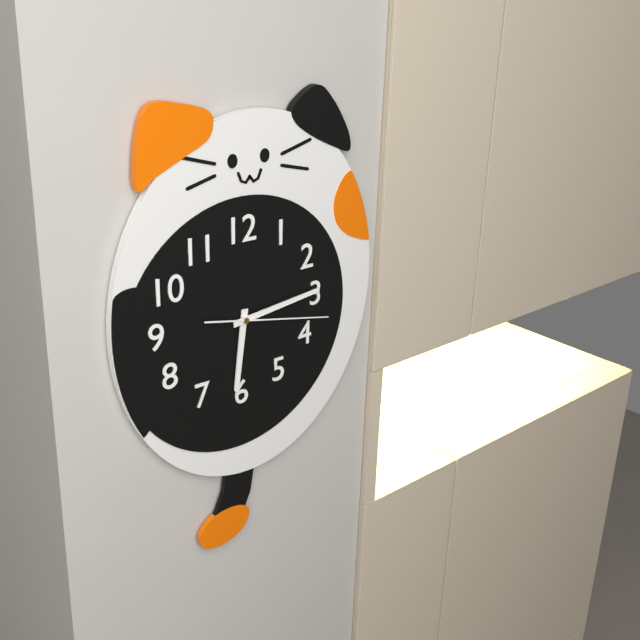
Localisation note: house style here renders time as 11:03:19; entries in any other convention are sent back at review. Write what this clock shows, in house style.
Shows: 6:14:17
